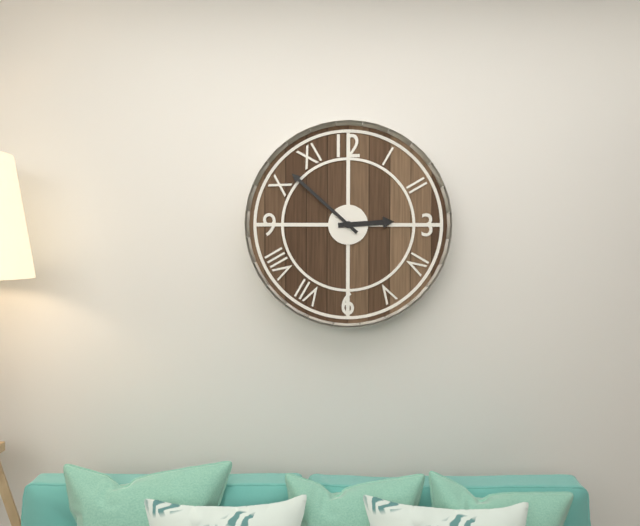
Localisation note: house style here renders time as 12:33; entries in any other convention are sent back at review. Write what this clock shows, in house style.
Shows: 2:52
